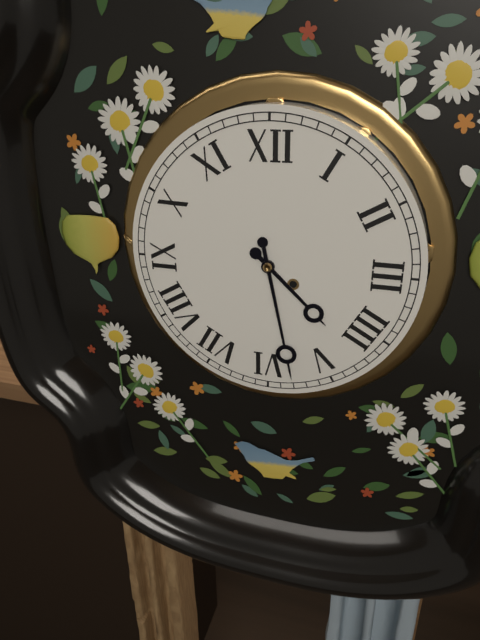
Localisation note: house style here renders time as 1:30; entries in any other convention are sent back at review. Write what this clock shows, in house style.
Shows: 4:28
